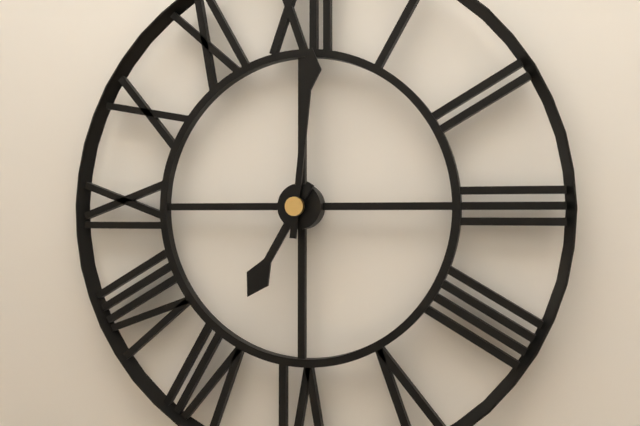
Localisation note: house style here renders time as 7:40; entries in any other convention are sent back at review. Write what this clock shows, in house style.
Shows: 7:01
